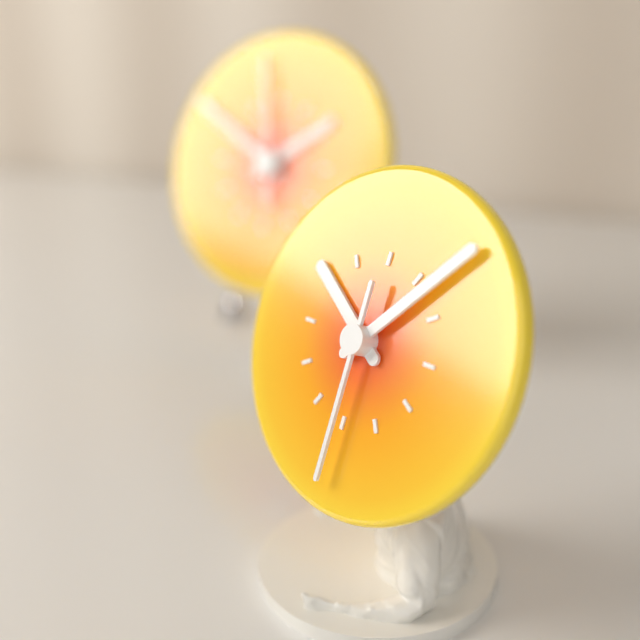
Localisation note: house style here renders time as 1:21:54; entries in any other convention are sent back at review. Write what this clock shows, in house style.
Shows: 10:07:30
